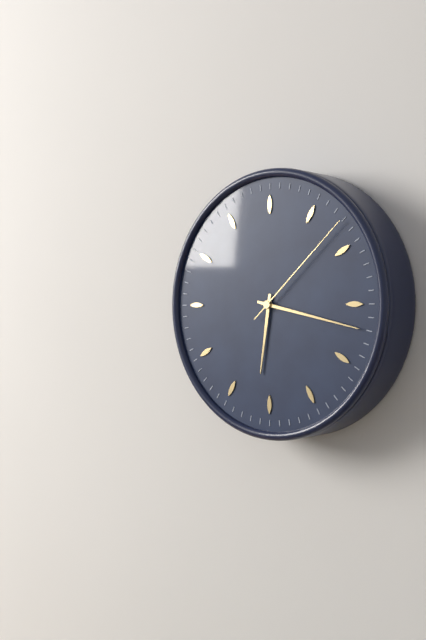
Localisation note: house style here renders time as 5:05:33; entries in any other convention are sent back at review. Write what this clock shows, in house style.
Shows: 6:17:08
